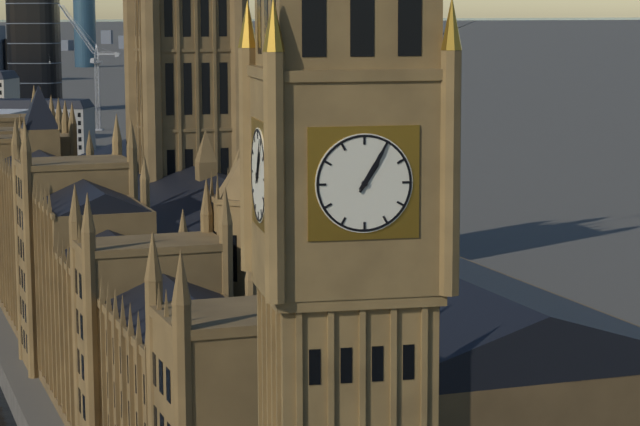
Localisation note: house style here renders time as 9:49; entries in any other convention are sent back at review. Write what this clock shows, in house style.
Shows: 1:05
